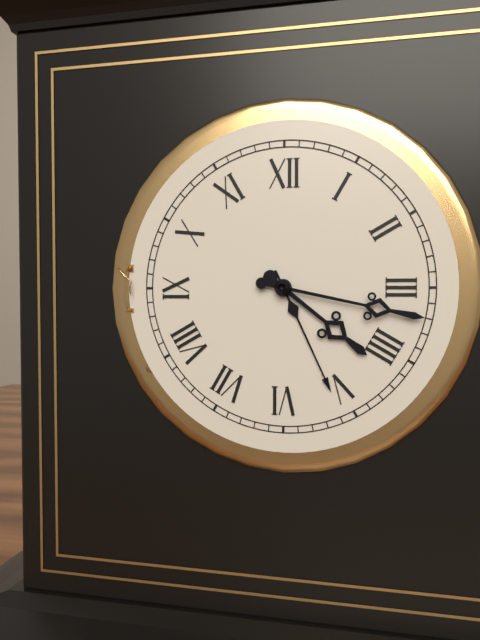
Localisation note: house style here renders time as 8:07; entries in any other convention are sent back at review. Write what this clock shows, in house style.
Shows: 4:17
